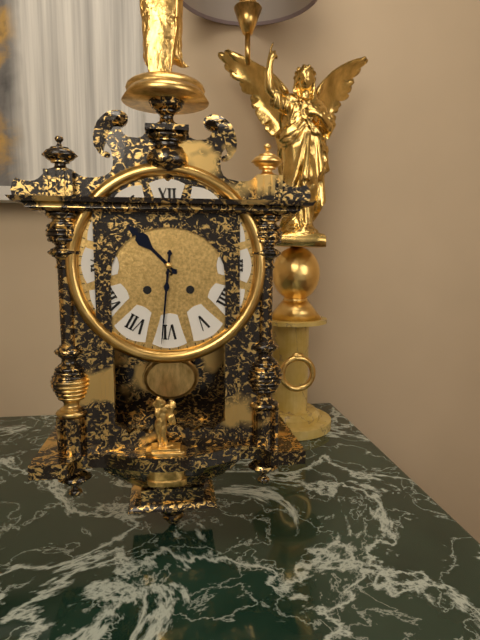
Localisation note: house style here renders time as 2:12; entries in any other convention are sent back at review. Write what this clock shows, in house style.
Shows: 10:31
